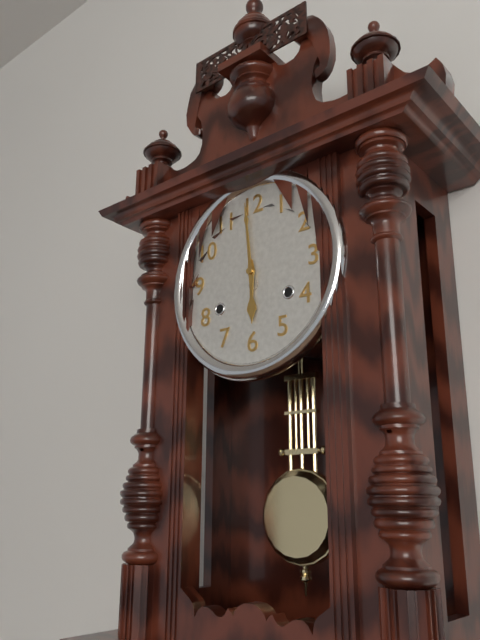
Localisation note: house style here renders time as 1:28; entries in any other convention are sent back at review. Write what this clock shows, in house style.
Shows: 5:59
